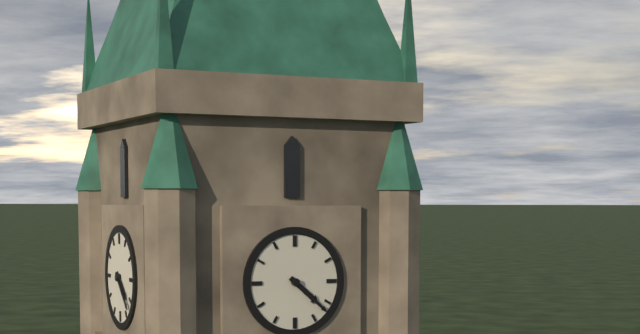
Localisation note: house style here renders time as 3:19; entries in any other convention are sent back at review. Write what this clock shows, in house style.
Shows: 4:22
